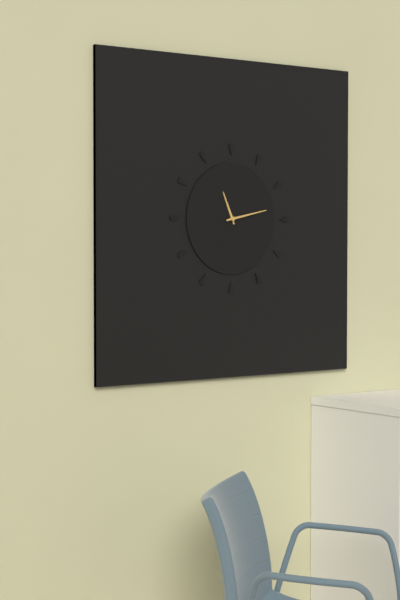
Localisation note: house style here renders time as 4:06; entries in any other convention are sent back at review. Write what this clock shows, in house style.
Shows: 11:13
